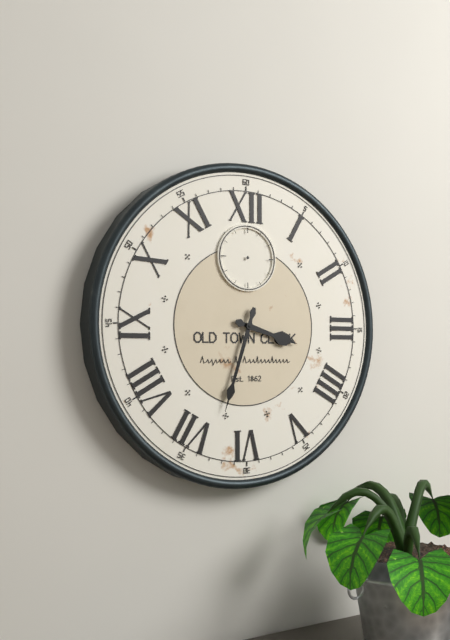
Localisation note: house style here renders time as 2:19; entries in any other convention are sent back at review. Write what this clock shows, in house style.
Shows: 3:33
